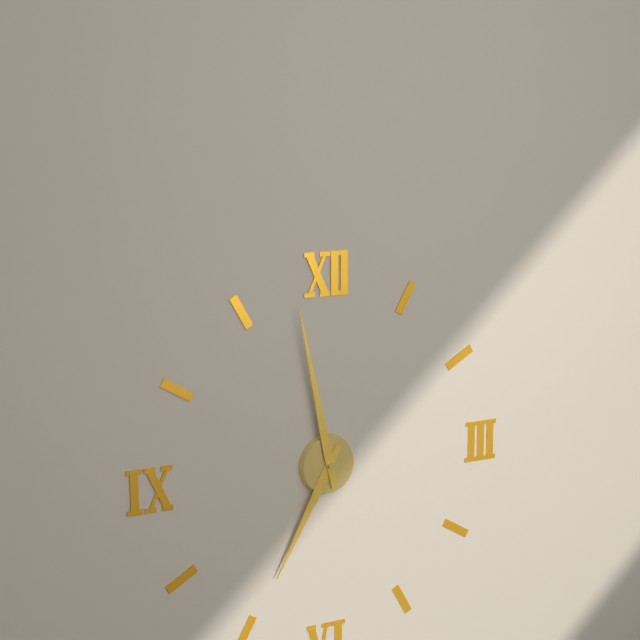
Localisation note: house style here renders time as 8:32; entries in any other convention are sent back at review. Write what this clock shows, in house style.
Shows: 6:58
